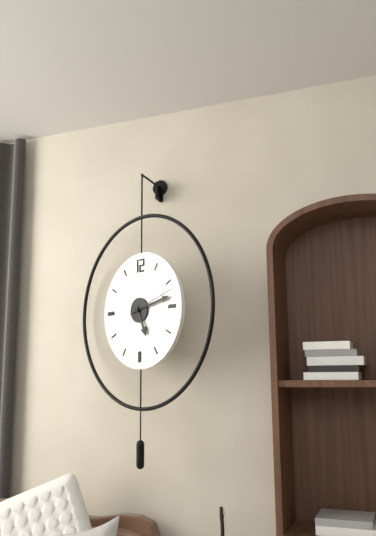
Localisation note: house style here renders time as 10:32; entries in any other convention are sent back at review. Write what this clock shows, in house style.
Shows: 5:13
